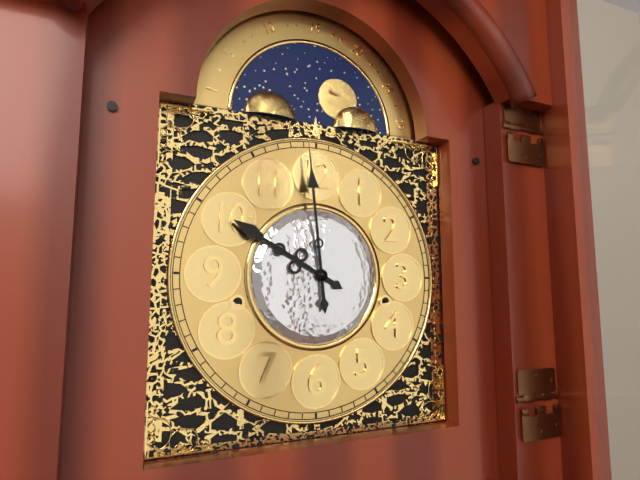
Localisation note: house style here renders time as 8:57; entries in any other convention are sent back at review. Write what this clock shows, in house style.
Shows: 9:59
